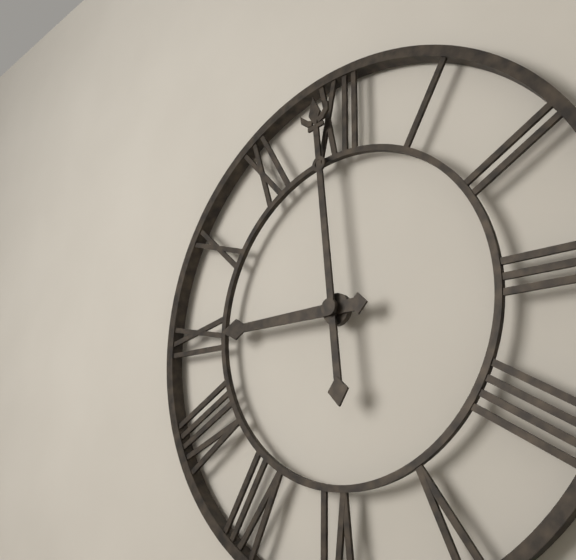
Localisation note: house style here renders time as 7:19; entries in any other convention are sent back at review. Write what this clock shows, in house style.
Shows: 8:59
